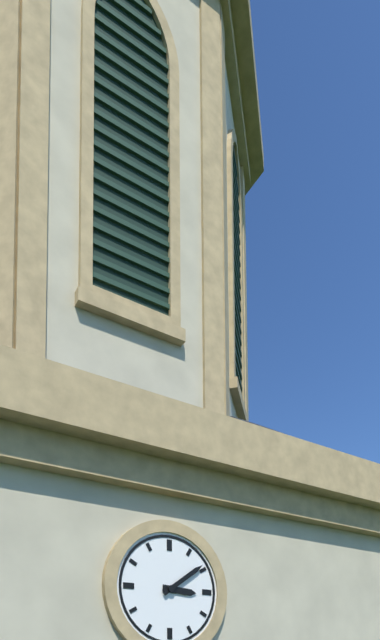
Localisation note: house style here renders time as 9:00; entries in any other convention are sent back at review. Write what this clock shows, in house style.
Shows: 3:09
